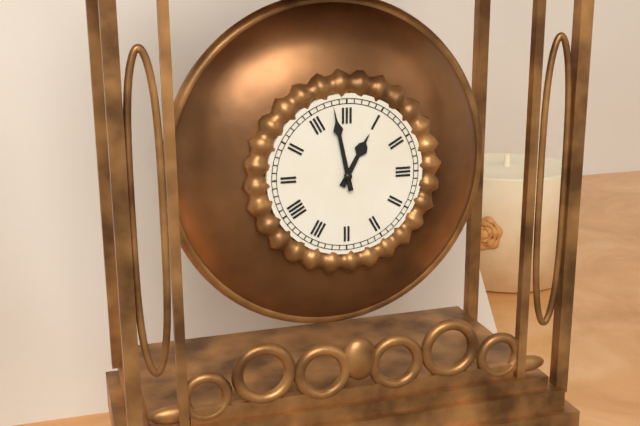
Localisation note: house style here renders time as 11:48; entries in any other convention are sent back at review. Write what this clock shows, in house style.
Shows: 12:58
